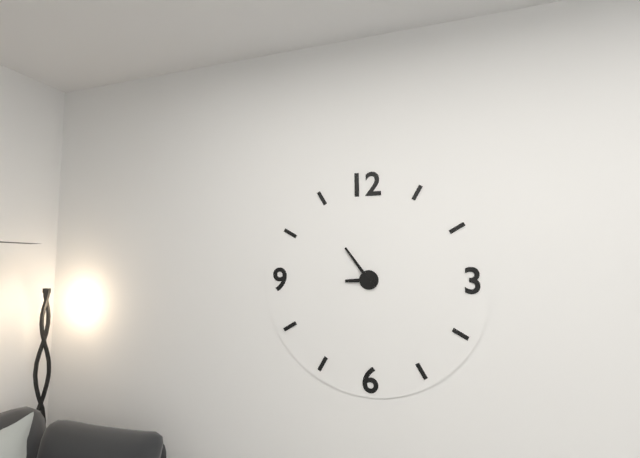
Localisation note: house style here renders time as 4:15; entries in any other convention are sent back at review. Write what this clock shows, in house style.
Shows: 8:54
